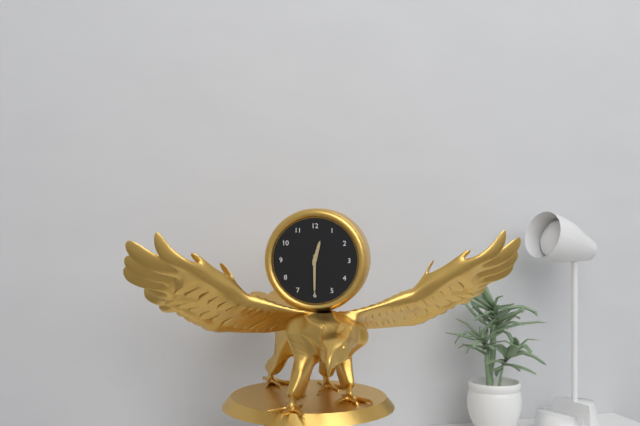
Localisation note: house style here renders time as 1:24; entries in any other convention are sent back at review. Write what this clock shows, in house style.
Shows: 12:30
